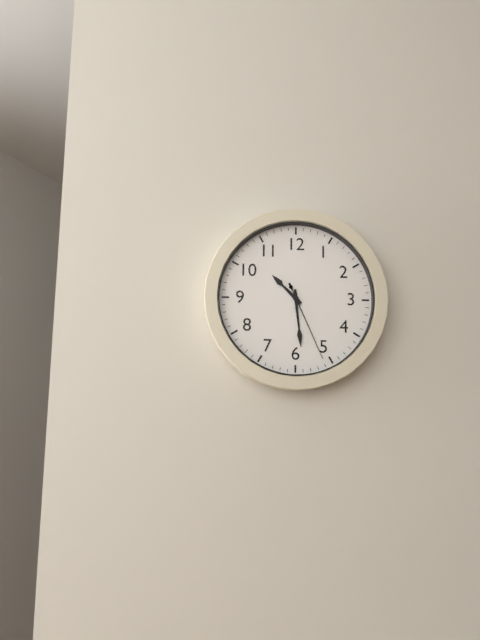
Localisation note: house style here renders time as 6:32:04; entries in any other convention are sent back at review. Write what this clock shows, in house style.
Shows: 10:29:26
